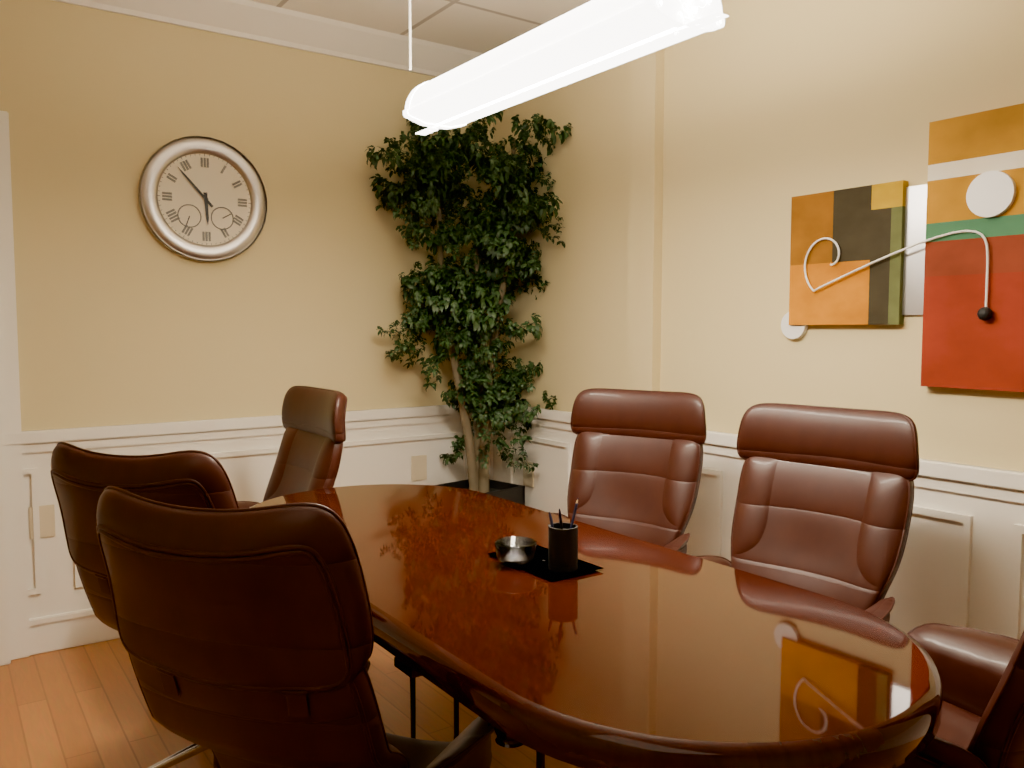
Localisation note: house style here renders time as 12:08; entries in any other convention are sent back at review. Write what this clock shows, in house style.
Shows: 5:53
